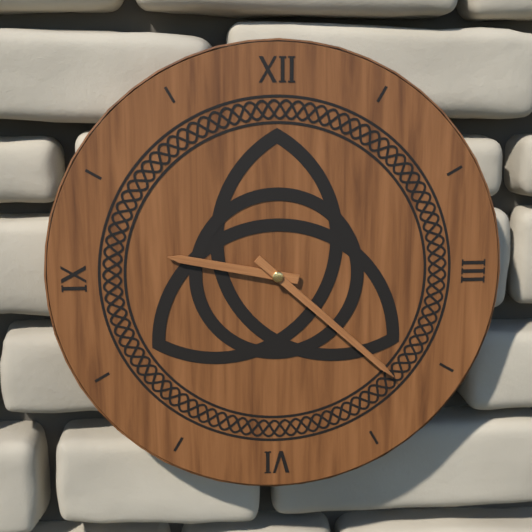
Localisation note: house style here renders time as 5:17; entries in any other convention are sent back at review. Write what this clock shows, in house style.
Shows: 9:22
